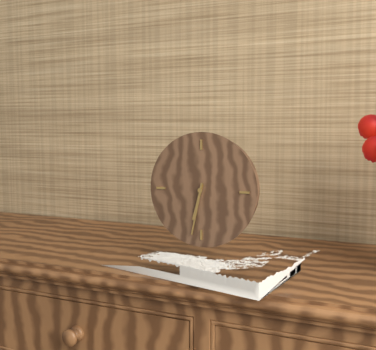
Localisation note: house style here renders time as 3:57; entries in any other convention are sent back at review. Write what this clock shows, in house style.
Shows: 6:32
